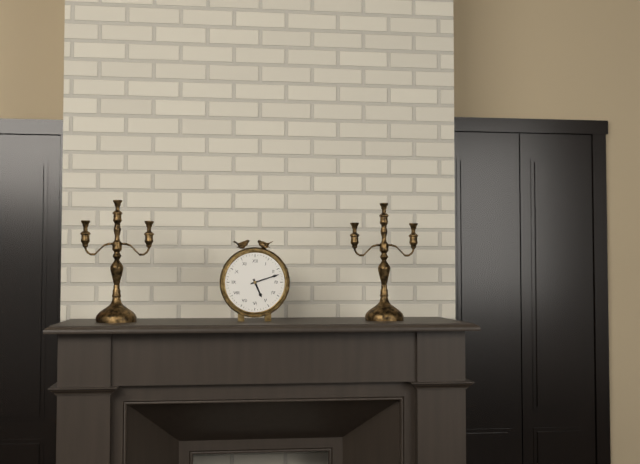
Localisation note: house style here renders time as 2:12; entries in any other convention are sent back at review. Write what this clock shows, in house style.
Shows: 5:12
